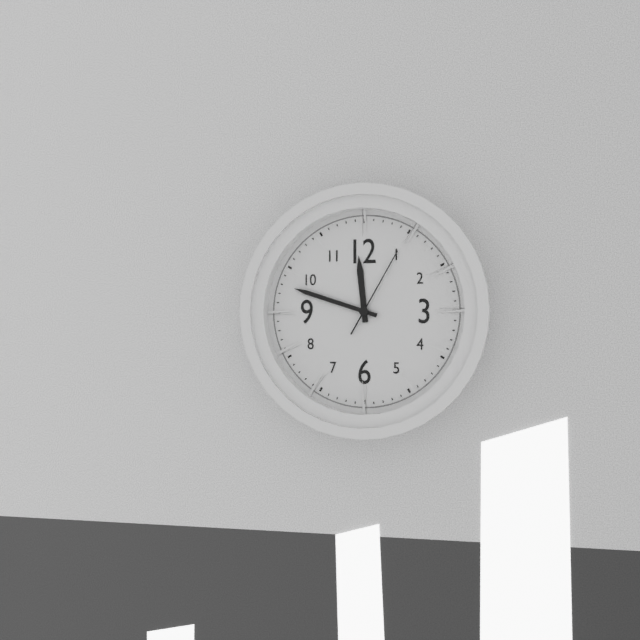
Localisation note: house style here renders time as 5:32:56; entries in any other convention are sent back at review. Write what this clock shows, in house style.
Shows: 11:48:05
